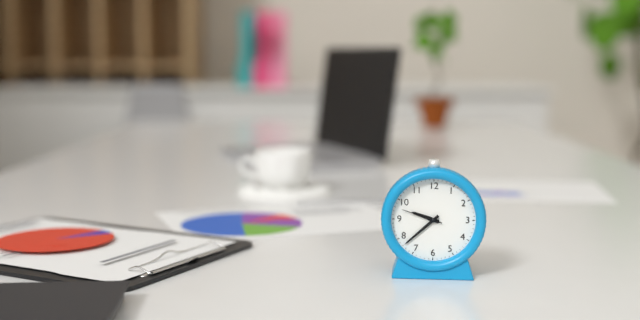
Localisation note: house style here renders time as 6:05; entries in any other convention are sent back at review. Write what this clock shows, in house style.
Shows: 9:38
